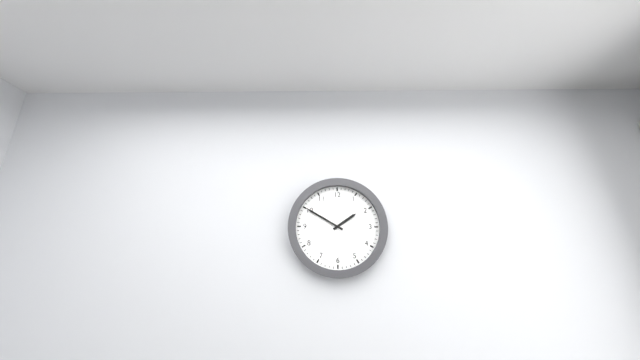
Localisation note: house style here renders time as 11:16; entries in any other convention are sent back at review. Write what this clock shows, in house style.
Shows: 1:50
